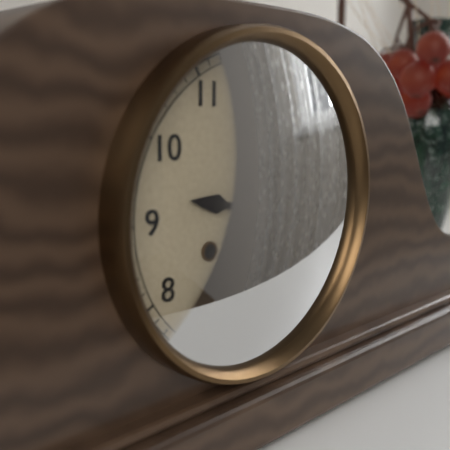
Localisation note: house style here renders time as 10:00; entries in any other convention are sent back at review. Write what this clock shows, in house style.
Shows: 9:22
